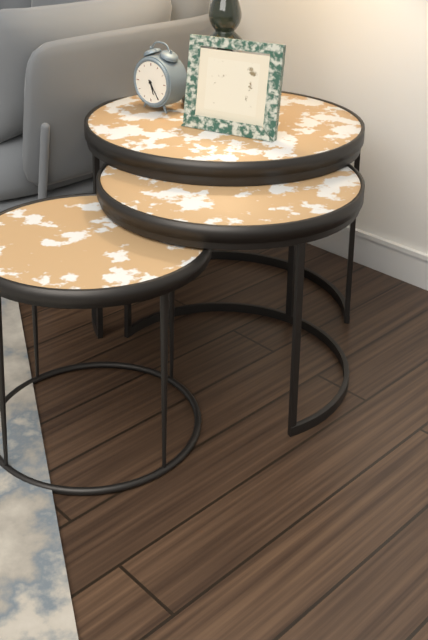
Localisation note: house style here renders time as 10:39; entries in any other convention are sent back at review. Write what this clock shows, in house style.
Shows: 5:24
